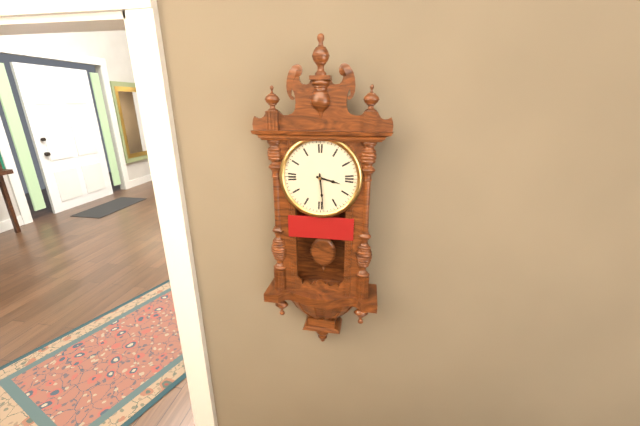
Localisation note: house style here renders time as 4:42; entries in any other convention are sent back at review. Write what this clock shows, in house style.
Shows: 3:29
